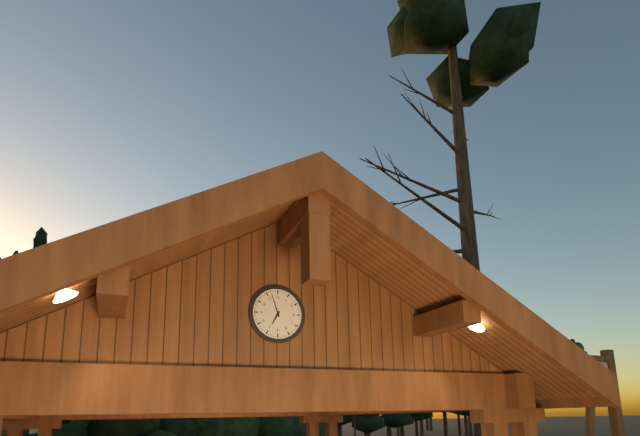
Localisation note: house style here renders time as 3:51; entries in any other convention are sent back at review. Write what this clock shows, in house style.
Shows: 6:57
